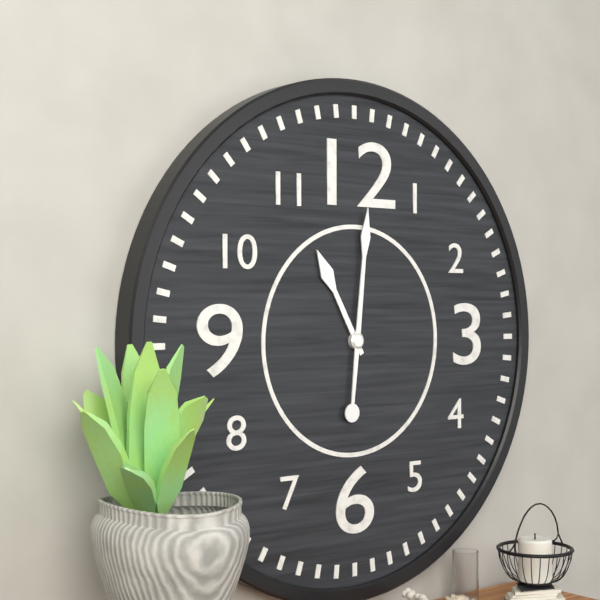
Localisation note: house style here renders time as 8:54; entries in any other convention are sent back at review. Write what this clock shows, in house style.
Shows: 11:01
